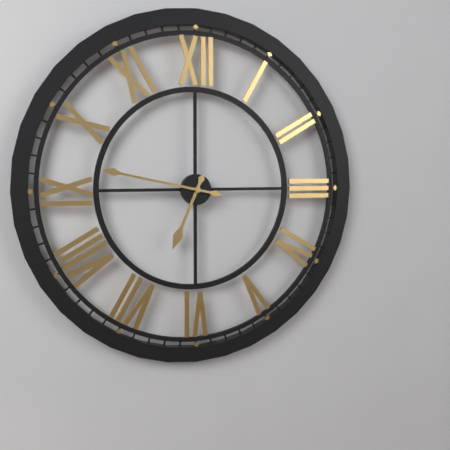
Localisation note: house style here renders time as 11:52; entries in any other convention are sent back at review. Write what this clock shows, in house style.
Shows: 6:47
